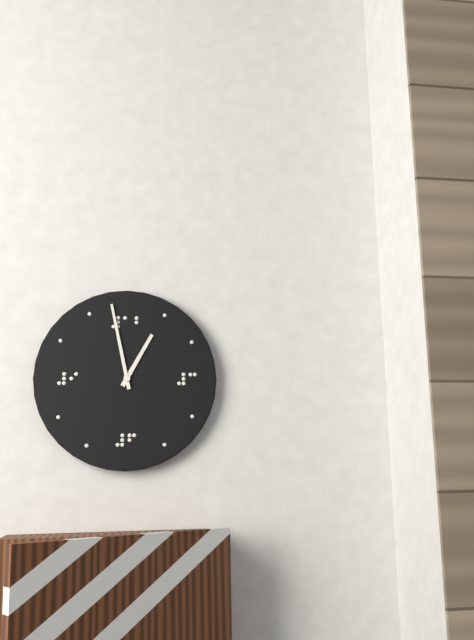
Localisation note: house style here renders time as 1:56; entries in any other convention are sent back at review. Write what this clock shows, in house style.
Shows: 12:58
